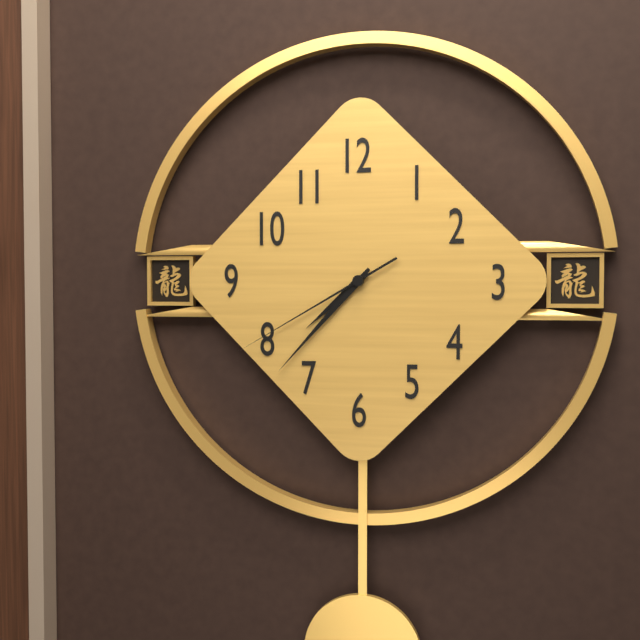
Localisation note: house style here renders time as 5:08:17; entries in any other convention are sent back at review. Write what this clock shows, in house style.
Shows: 7:37:40
